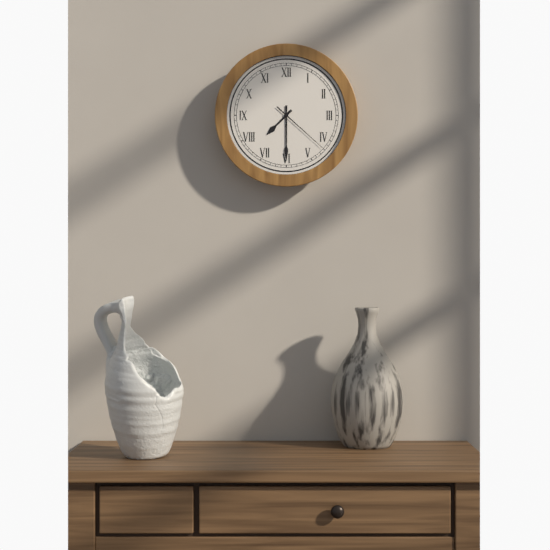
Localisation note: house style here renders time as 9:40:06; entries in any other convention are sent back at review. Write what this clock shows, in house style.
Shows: 7:30:22
